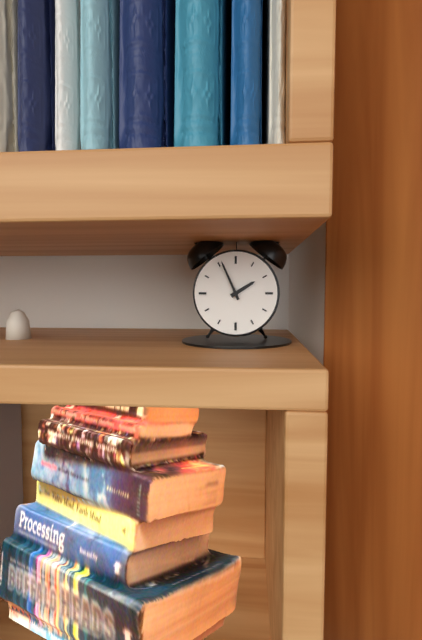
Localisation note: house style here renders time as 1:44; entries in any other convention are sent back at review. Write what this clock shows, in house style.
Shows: 1:56
